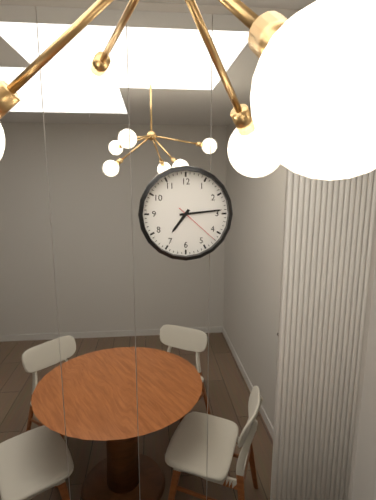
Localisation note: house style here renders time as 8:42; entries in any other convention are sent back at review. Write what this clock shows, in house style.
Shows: 7:14
